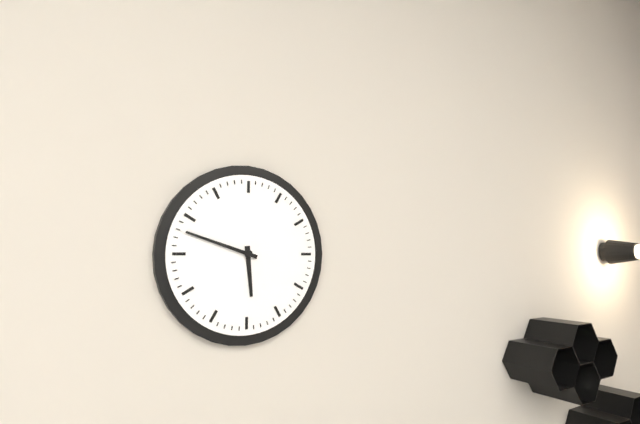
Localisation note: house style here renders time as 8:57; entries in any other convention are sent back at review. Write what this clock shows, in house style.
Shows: 5:48
